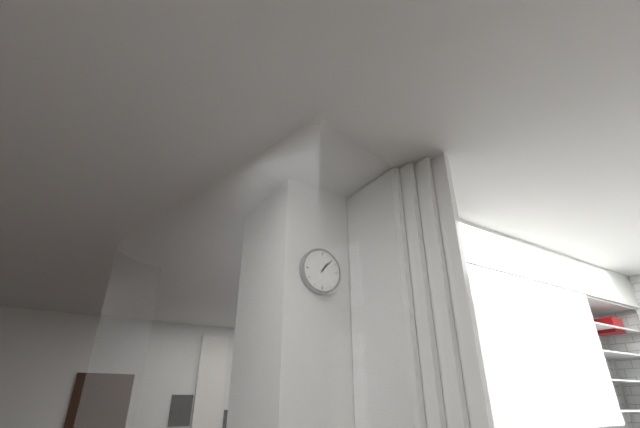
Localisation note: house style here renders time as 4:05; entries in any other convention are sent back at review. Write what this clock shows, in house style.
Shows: 1:07
